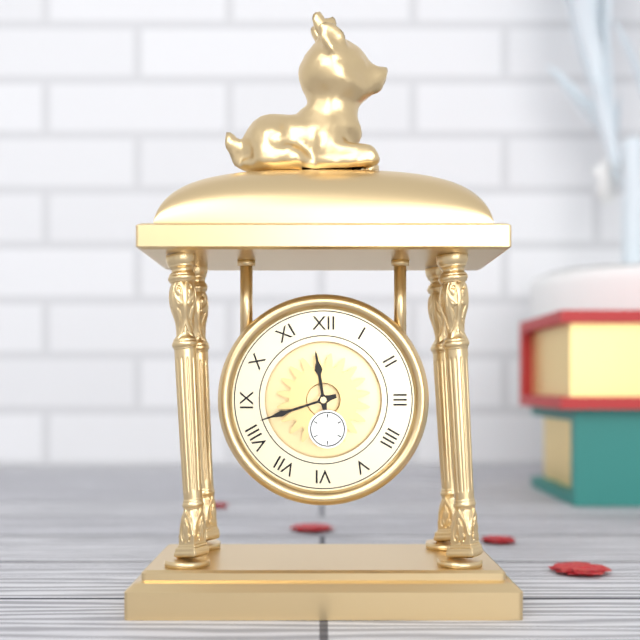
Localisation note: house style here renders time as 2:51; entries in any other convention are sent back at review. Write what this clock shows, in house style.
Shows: 11:42
